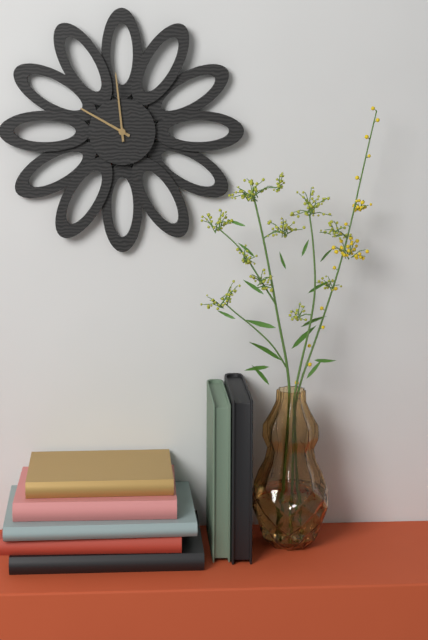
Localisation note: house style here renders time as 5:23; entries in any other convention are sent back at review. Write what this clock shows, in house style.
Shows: 9:59
